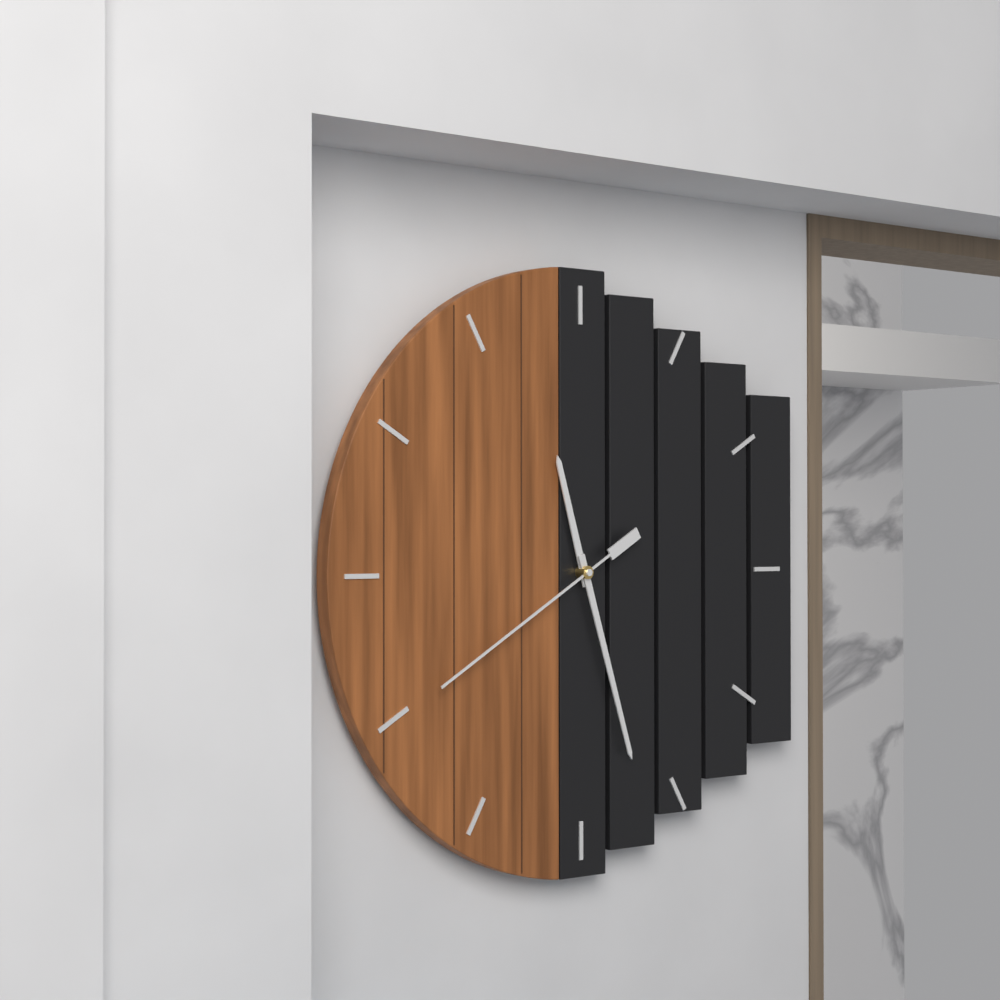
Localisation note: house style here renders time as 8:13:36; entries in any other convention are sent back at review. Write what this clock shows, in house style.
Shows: 11:27:40
